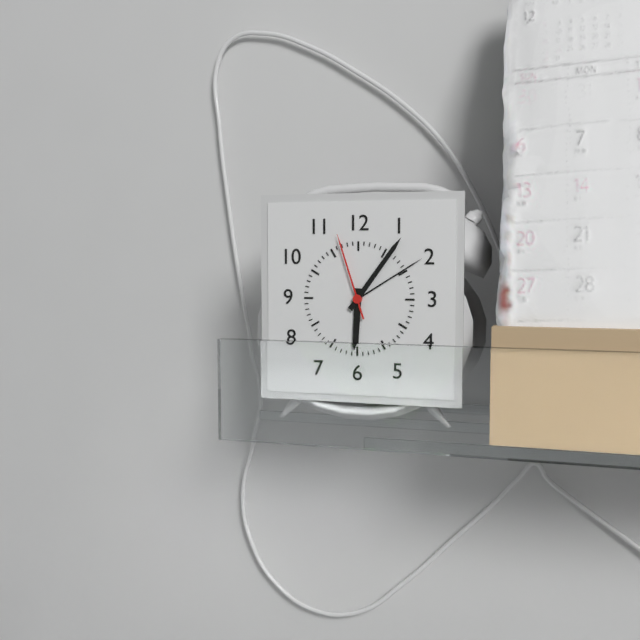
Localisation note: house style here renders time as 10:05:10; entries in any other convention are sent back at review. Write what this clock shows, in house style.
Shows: 6:06:57
